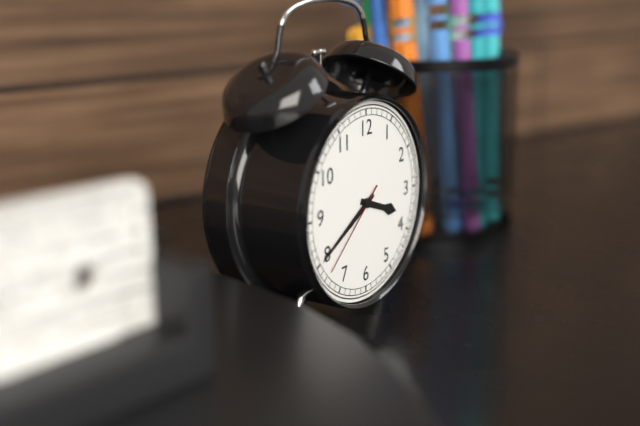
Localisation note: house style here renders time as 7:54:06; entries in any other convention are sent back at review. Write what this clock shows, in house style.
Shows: 3:40:38
